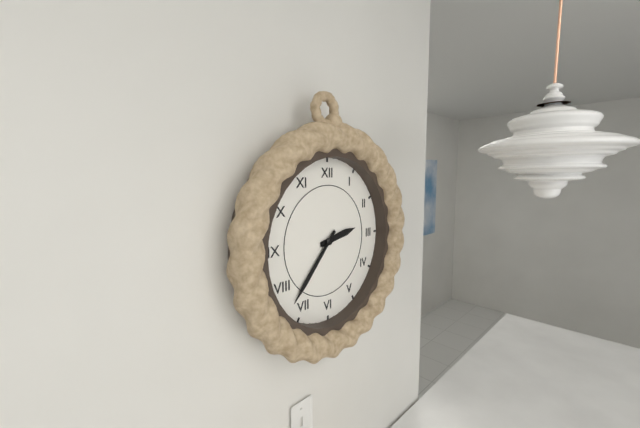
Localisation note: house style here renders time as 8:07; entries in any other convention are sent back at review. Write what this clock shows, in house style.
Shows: 2:37
